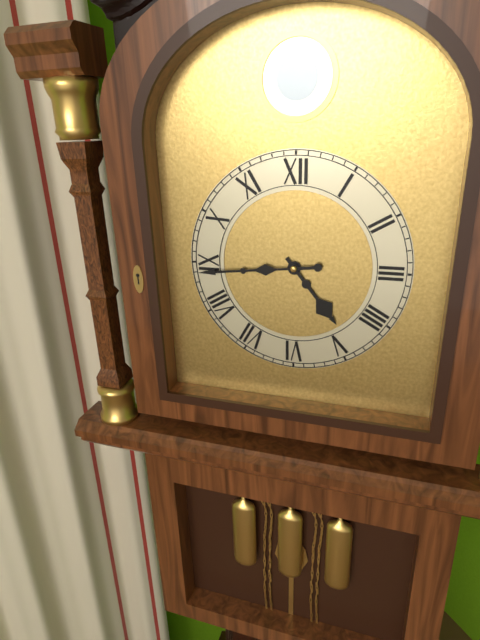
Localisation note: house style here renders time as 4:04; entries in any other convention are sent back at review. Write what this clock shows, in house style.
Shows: 4:44
